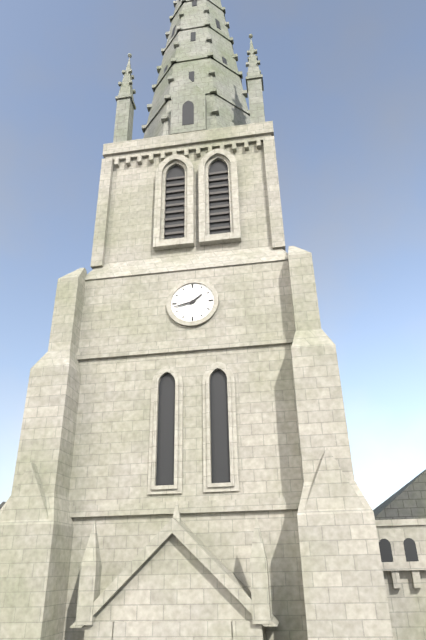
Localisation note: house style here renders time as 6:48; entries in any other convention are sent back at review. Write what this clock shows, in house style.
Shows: 1:43
